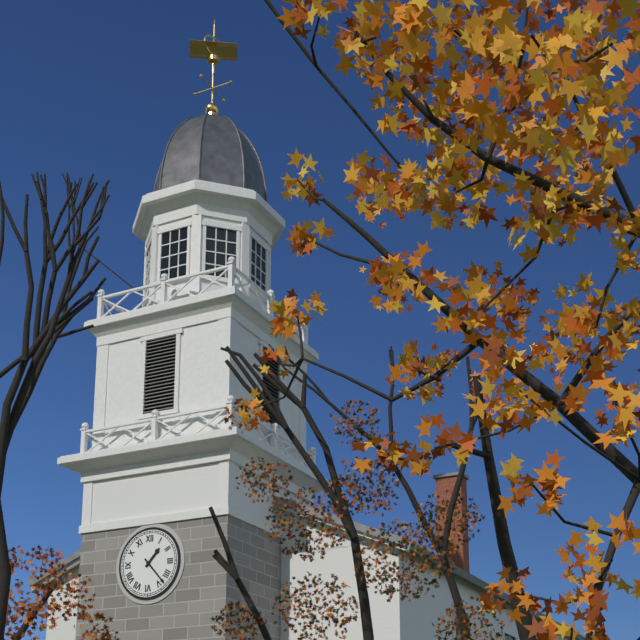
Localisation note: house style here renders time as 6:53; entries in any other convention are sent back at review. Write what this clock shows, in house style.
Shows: 1:23
